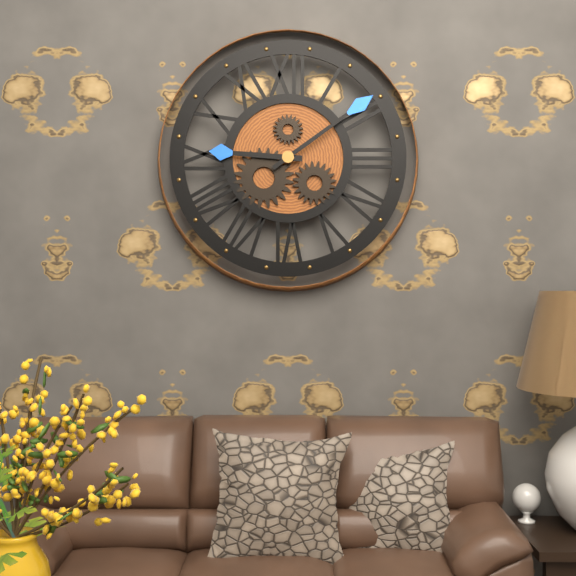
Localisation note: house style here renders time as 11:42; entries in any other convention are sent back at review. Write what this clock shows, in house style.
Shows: 9:09
